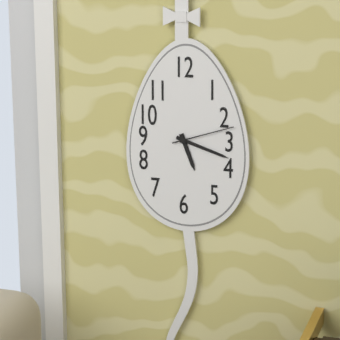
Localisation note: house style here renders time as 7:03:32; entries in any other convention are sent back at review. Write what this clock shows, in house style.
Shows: 5:18:12
